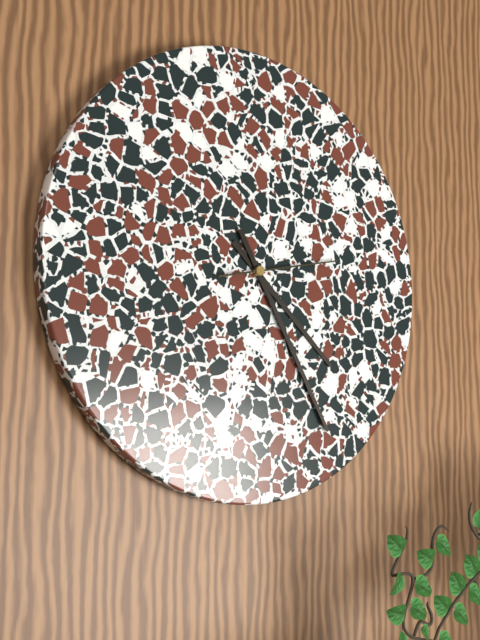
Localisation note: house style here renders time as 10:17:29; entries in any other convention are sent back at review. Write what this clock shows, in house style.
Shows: 4:25:13
